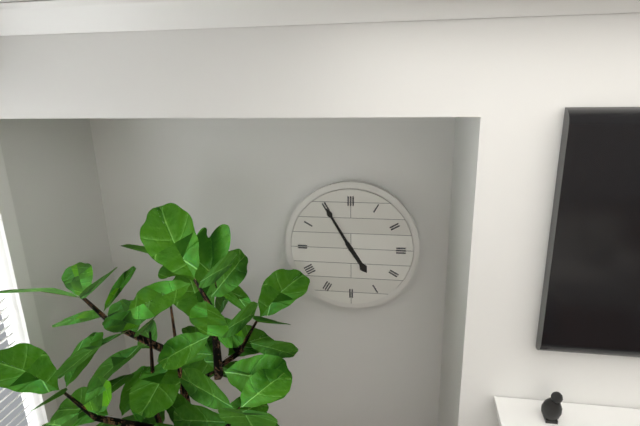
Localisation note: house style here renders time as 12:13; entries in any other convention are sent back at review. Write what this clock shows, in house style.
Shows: 4:55
